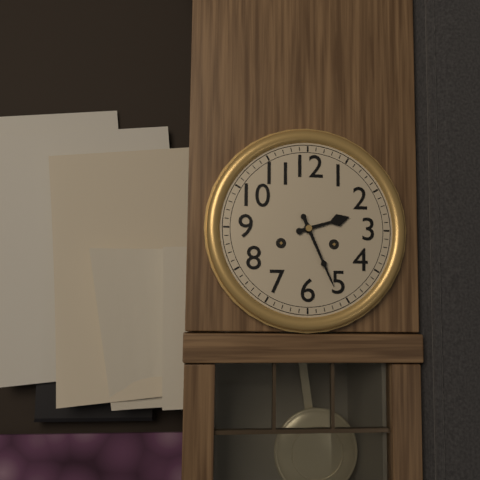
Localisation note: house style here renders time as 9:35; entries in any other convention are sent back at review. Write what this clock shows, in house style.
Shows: 2:26
